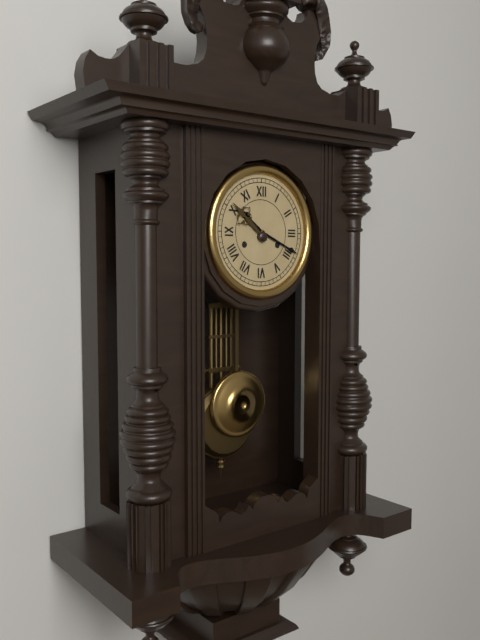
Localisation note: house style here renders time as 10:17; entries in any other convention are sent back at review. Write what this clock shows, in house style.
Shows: 10:19
